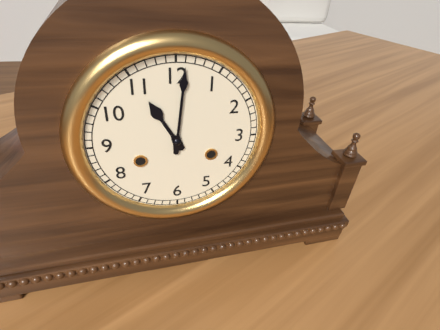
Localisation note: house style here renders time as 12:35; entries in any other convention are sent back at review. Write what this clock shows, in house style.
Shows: 11:01
